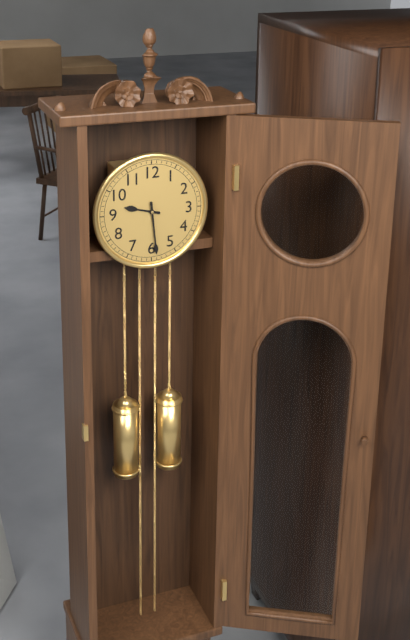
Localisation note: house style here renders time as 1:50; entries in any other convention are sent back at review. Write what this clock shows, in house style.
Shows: 9:29
